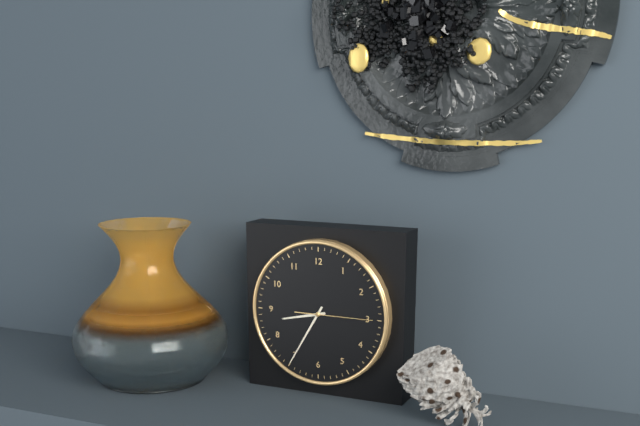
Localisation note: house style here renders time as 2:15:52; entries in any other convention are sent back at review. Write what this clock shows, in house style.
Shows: 8:35:15
